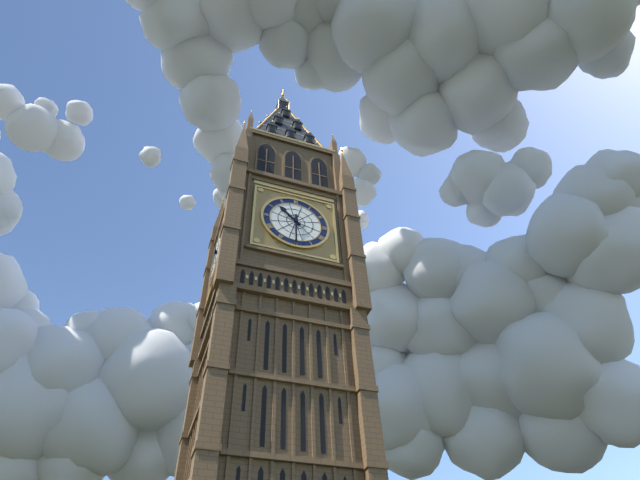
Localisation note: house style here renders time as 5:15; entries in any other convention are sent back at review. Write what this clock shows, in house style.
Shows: 10:30
